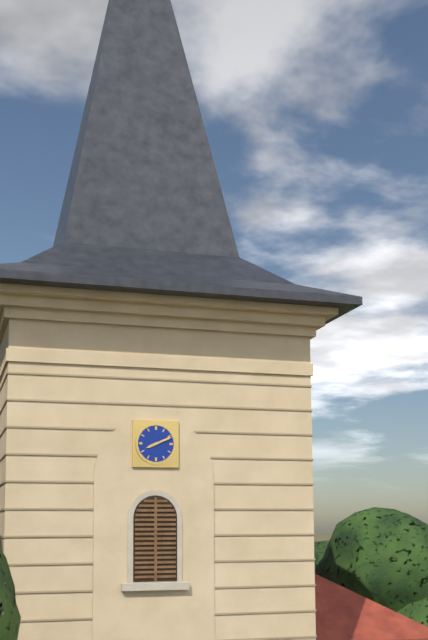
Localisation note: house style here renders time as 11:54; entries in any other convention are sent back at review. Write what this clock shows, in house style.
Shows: 8:11
